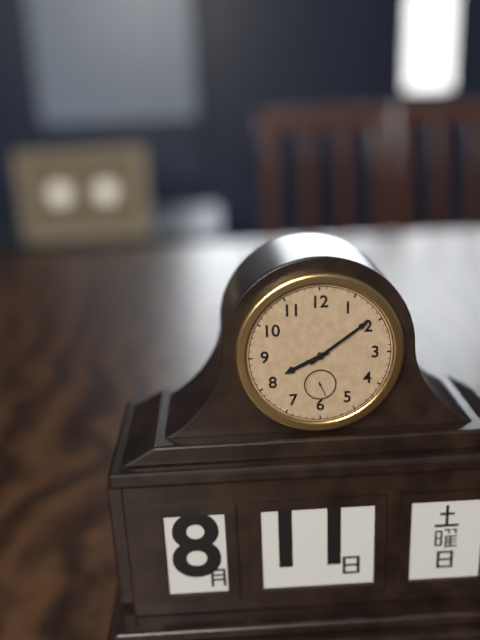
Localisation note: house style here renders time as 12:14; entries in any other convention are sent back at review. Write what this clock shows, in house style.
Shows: 8:09
